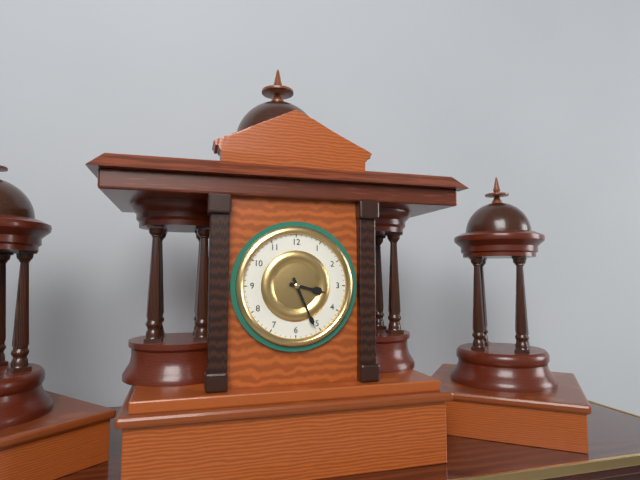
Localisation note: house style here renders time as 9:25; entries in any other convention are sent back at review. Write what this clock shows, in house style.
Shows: 3:26
